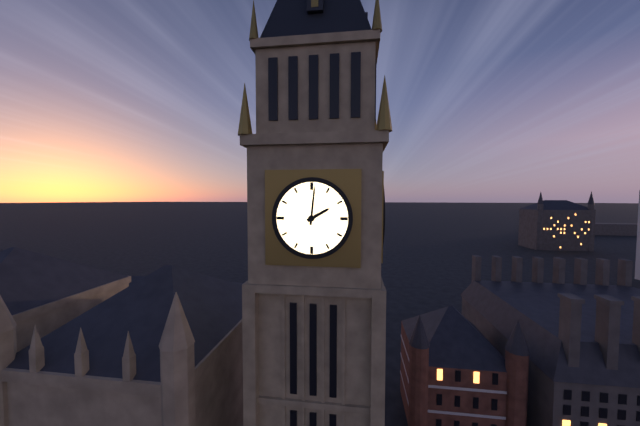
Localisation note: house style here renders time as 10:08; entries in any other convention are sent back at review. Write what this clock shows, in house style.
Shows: 2:01
